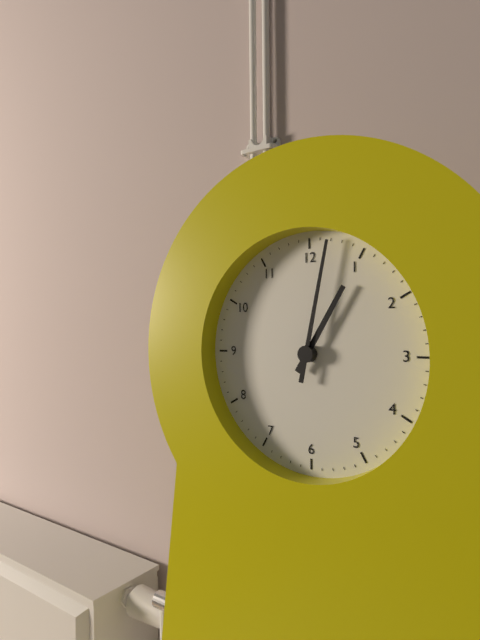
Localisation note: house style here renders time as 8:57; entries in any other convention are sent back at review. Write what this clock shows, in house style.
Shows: 1:02
